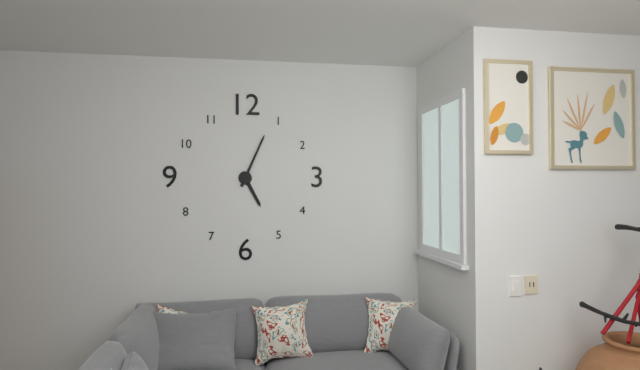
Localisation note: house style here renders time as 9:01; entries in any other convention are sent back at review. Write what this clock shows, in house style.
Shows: 5:04
